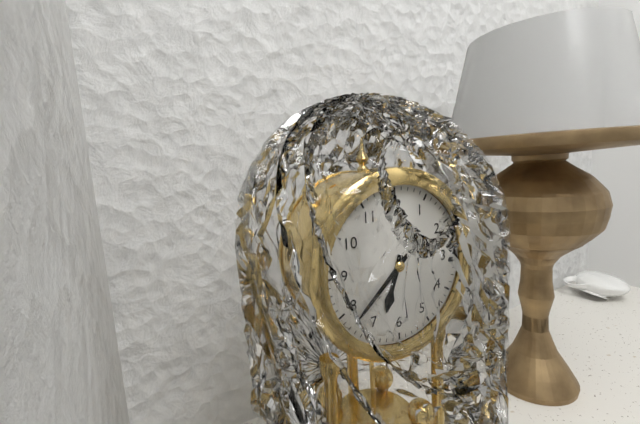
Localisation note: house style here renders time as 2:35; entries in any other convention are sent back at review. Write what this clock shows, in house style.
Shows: 6:38
